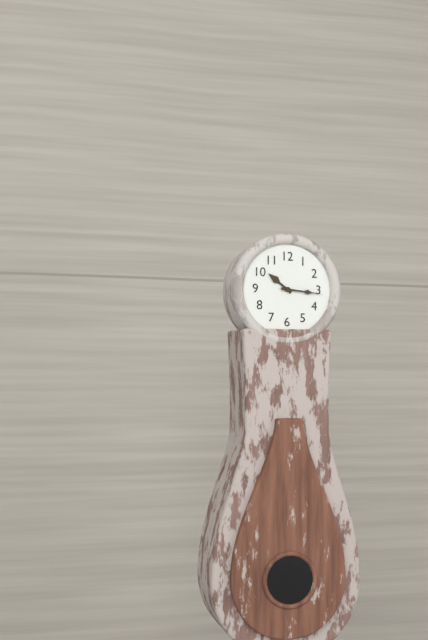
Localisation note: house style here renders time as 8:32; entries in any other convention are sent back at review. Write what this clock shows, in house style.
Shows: 10:16
